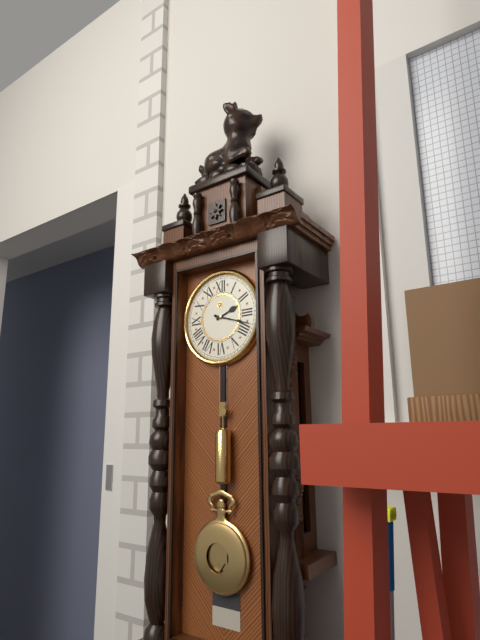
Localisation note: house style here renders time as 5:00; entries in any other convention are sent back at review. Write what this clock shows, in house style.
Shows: 2:18
